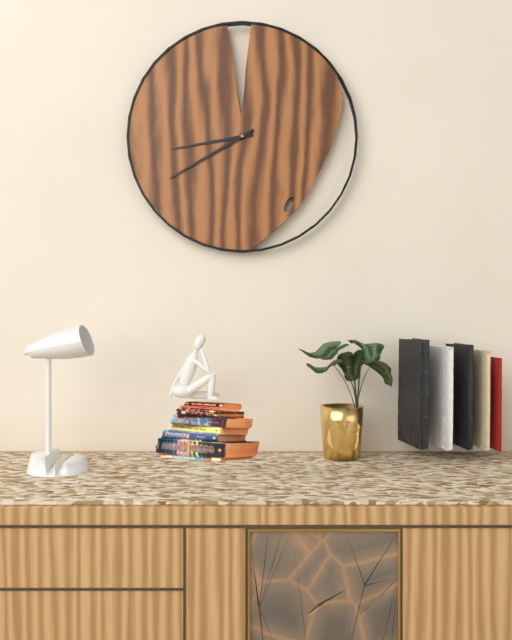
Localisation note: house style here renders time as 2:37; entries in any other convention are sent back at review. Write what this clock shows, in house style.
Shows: 8:40
